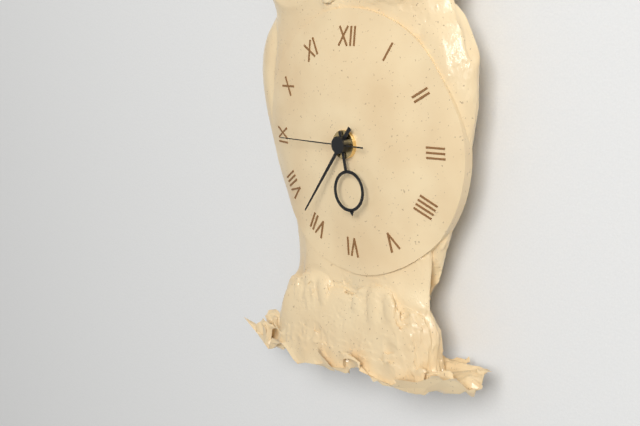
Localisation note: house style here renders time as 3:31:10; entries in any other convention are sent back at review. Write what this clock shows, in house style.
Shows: 5:36:45
